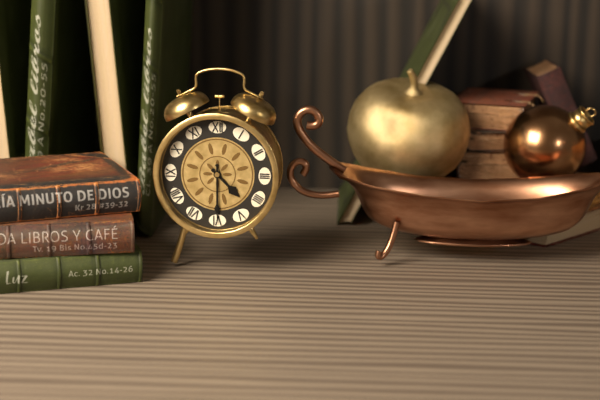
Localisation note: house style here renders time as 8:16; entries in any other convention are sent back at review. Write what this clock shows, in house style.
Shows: 4:30
